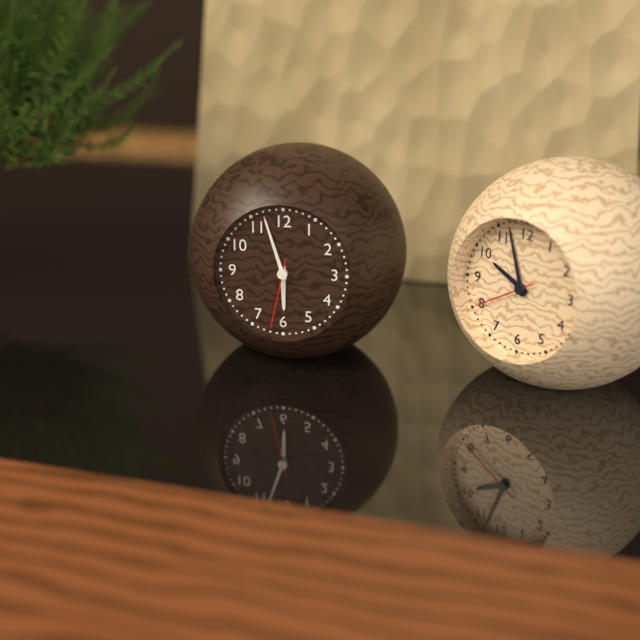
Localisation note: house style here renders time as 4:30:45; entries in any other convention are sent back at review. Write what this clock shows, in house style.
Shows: 5:57:32
